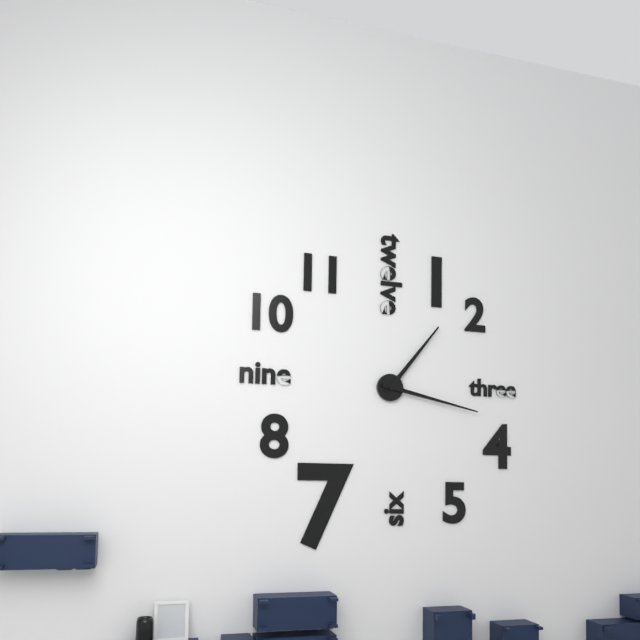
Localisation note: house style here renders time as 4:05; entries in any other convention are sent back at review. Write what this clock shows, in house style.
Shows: 1:17
